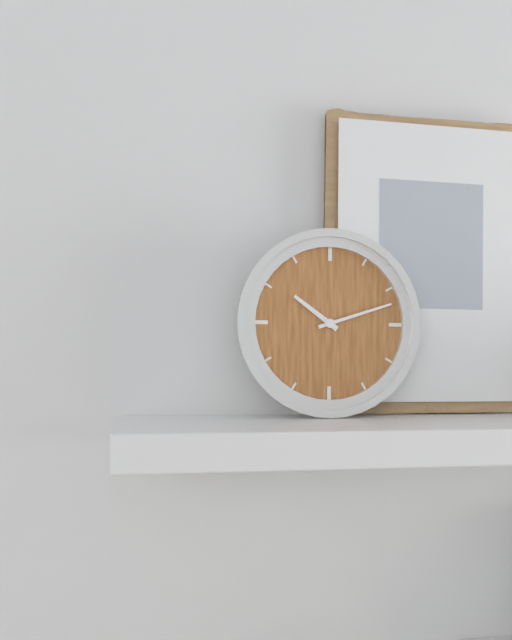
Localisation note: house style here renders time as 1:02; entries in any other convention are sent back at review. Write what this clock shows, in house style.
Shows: 10:12
